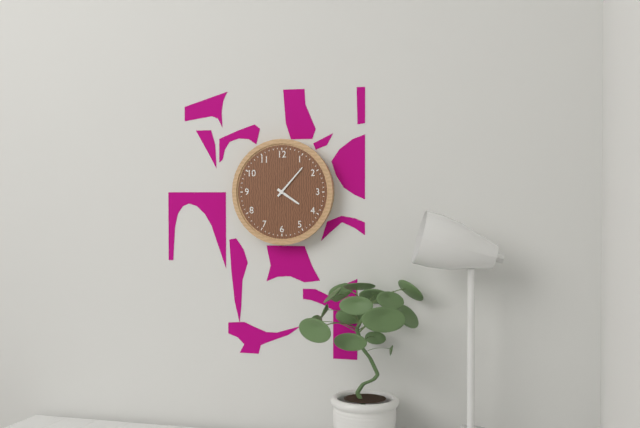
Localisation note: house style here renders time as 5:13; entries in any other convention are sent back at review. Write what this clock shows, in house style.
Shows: 4:07
